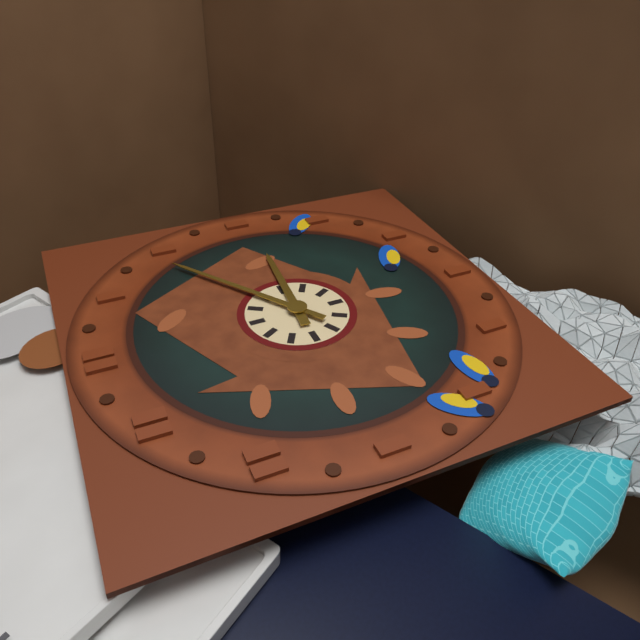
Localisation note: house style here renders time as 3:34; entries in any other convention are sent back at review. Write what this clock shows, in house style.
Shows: 3:09
